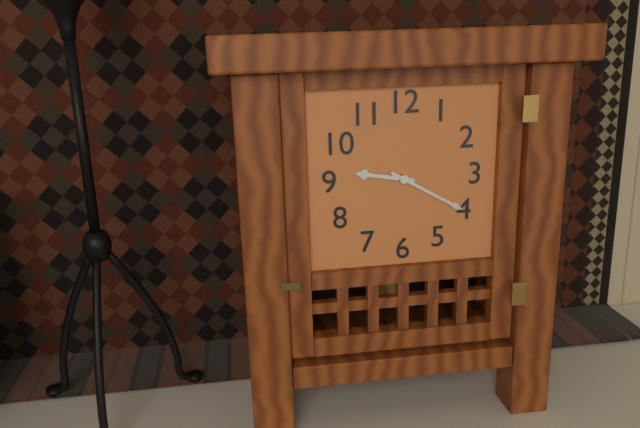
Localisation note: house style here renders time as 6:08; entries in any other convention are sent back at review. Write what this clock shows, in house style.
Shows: 9:20
